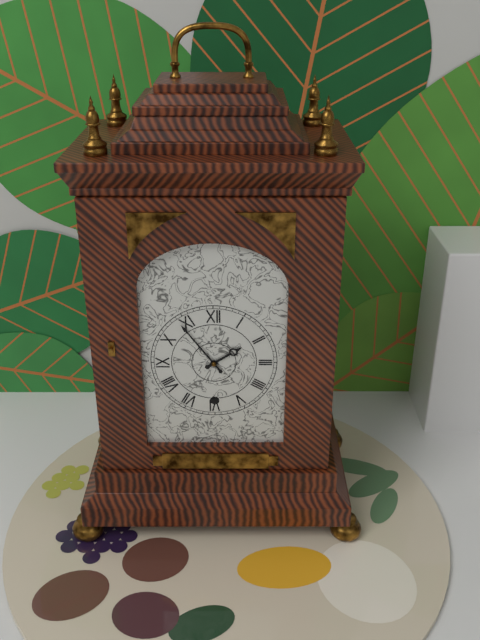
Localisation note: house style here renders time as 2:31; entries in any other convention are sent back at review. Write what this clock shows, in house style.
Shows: 1:54
